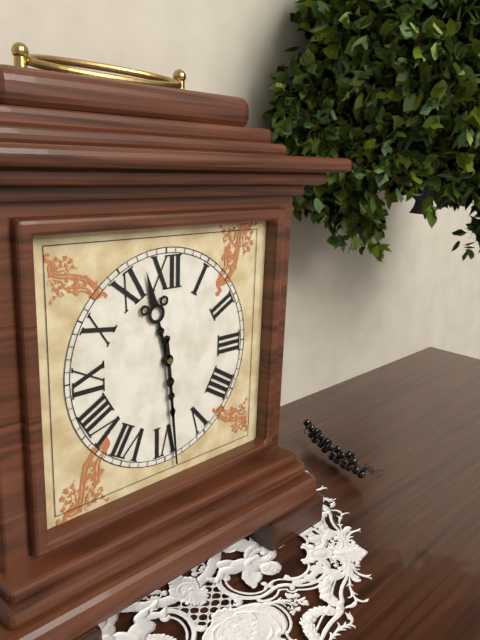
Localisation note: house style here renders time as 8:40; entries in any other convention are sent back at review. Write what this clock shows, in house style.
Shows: 11:29
